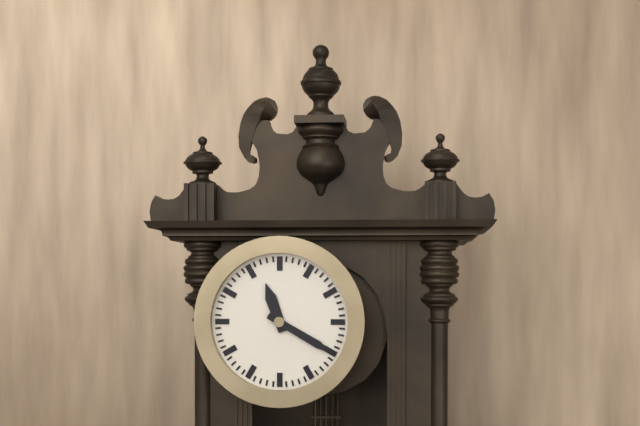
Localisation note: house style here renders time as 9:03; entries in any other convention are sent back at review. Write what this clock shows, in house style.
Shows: 11:20
